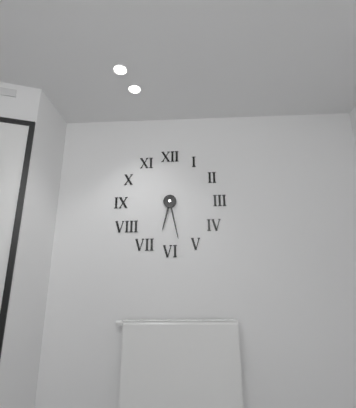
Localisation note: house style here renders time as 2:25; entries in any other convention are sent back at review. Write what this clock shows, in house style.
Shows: 6:28
